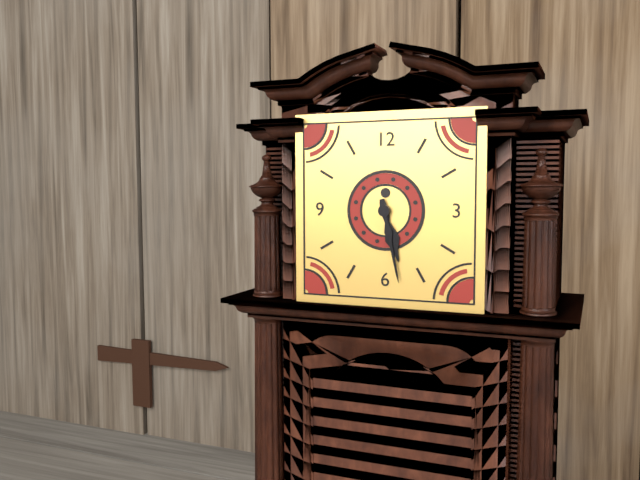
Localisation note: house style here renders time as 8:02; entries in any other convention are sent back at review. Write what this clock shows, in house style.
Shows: 5:28
